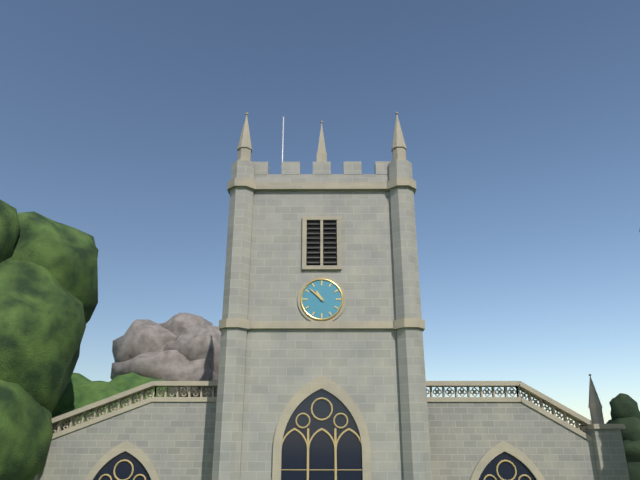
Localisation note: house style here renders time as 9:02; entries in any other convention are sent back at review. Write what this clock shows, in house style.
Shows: 10:52
